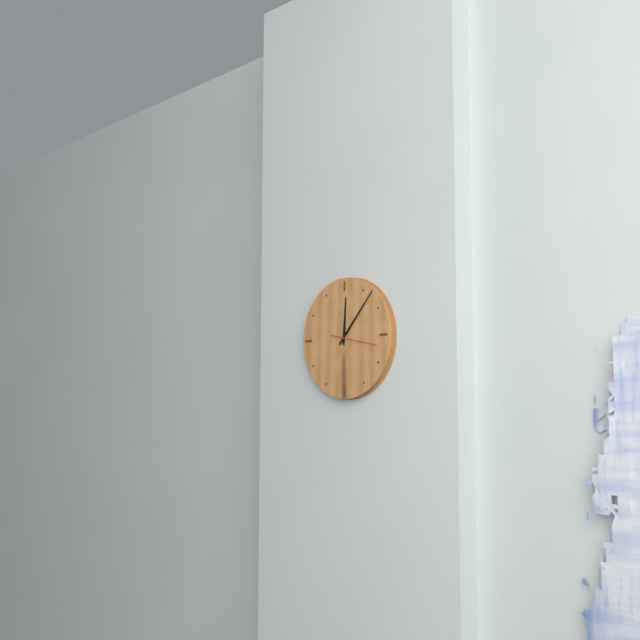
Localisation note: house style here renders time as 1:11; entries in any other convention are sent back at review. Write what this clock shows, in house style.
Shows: 12:07
